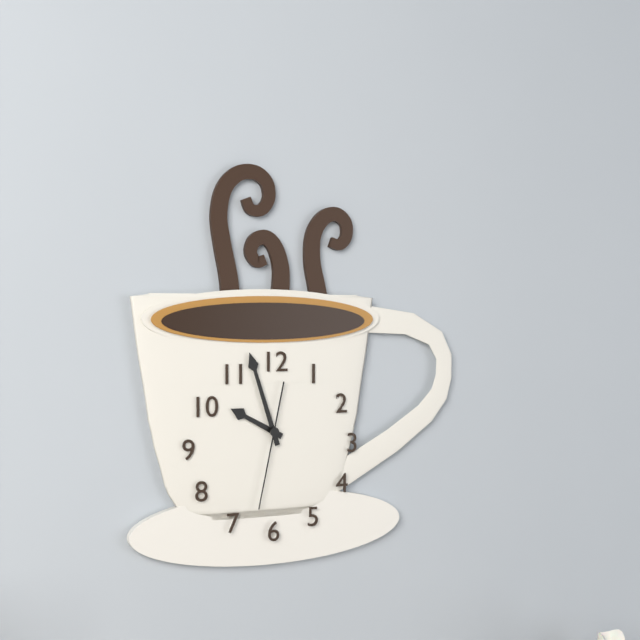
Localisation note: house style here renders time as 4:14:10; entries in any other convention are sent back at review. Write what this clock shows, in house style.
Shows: 9:57:32
